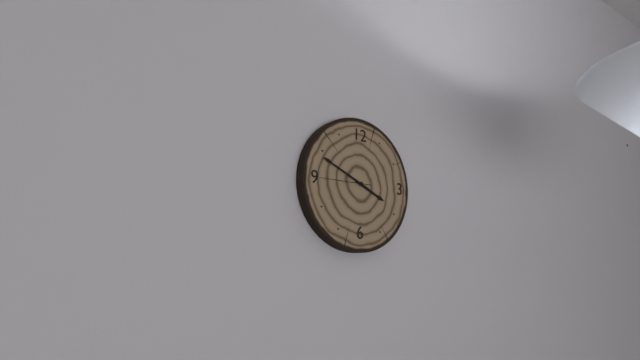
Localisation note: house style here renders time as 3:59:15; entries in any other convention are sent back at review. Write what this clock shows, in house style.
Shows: 3:49:45
